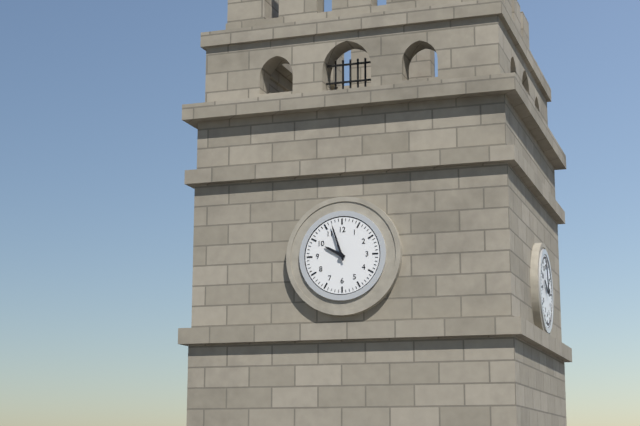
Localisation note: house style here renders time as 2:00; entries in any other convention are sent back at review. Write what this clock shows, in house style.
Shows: 9:57
